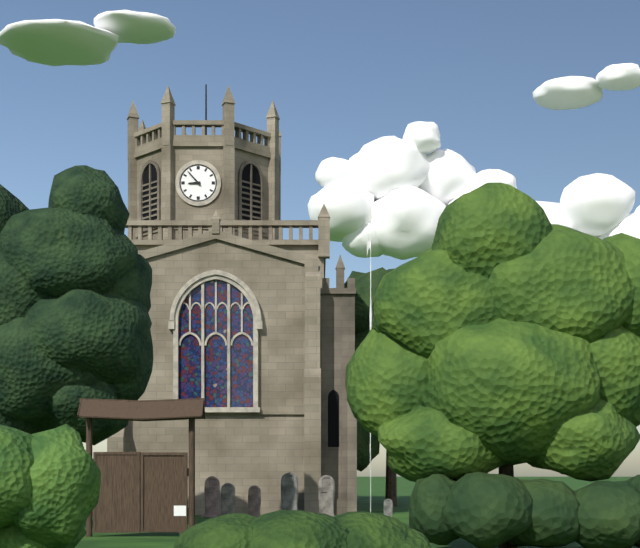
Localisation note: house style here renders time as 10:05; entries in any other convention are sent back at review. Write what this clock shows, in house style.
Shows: 8:53
